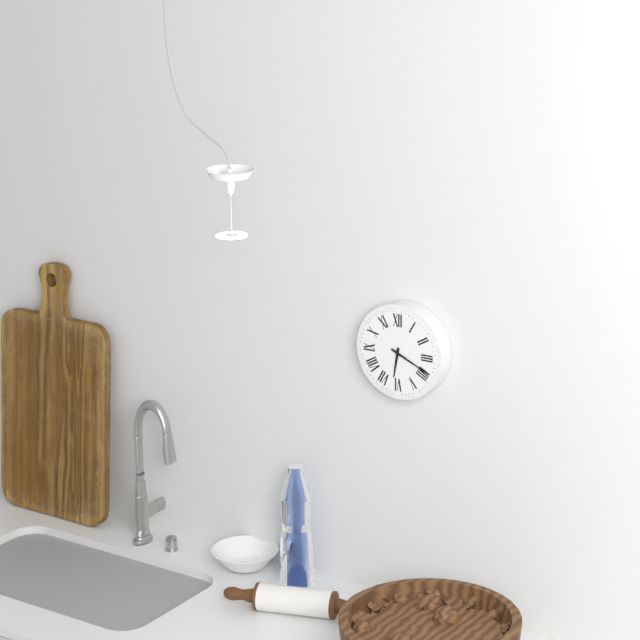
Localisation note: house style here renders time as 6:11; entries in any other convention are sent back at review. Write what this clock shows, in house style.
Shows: 6:19
